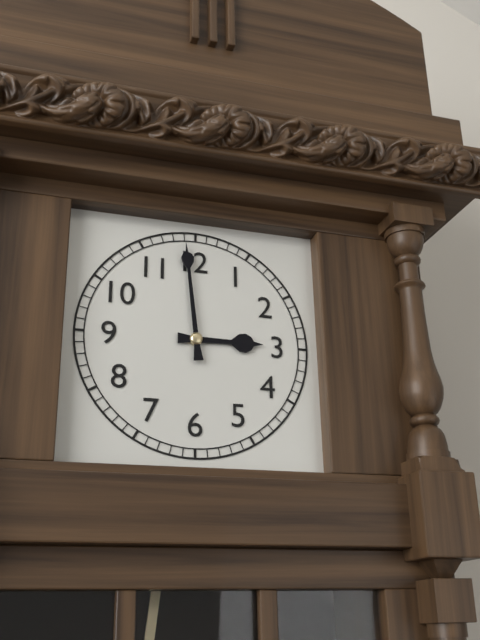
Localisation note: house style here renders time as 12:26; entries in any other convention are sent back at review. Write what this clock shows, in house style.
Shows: 2:59
